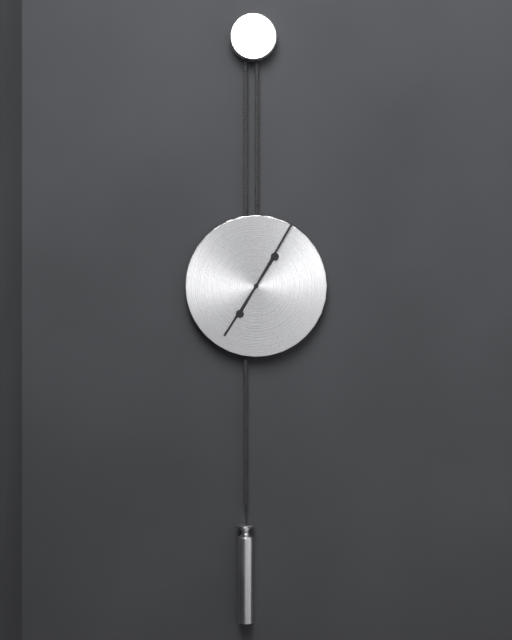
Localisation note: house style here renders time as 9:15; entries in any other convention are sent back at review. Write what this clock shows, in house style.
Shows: 7:05
